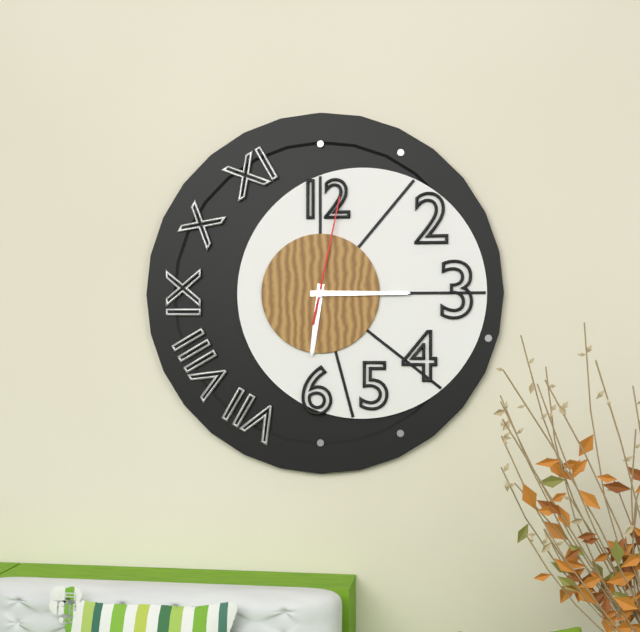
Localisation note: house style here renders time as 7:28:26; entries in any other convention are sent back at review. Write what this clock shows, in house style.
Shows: 6:15:02
